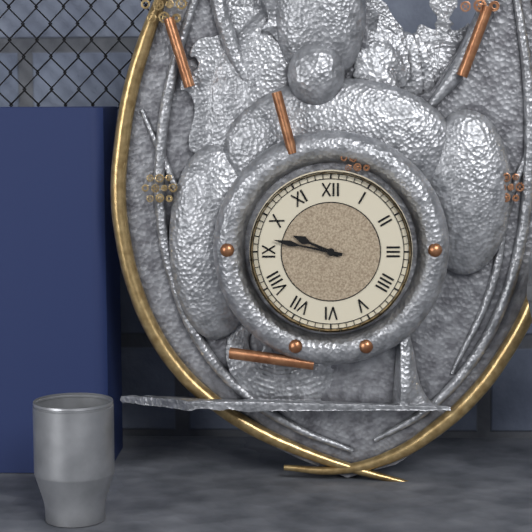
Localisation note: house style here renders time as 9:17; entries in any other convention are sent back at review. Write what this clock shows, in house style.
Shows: 9:47
